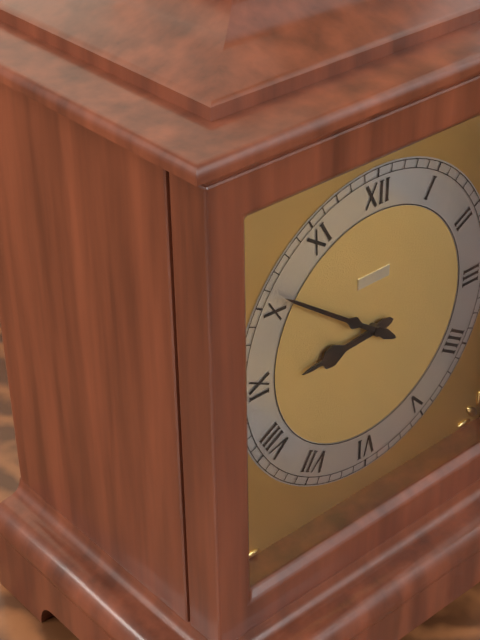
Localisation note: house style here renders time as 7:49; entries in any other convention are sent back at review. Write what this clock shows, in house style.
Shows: 8:51
